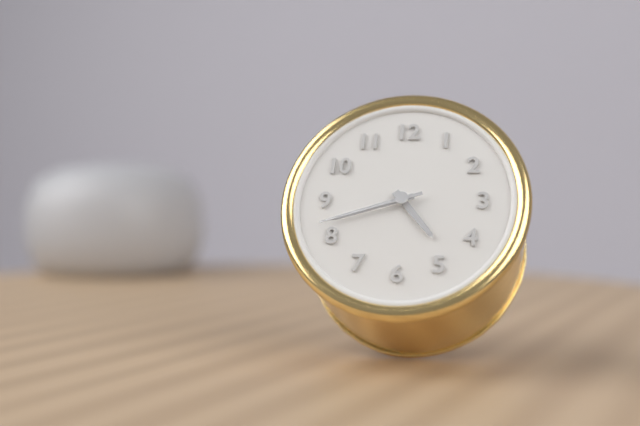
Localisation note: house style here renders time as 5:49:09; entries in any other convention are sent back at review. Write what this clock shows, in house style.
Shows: 4:42:42
